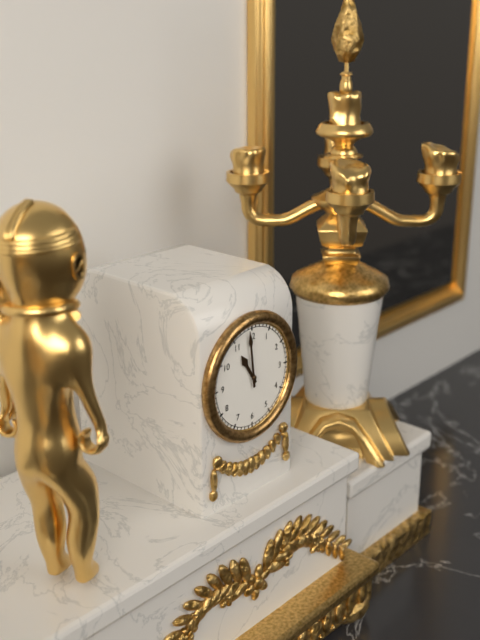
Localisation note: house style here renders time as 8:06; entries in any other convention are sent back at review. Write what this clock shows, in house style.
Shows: 10:59
